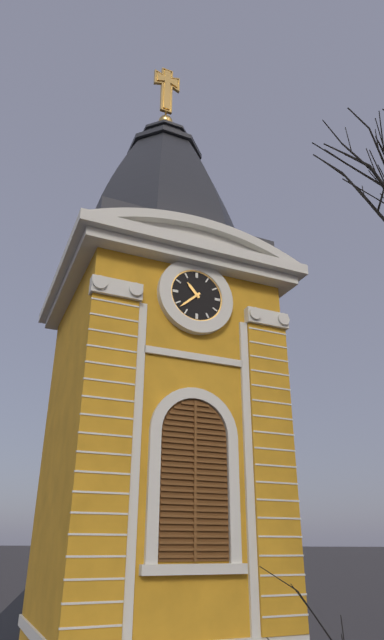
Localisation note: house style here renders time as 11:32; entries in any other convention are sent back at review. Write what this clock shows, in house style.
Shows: 10:38
